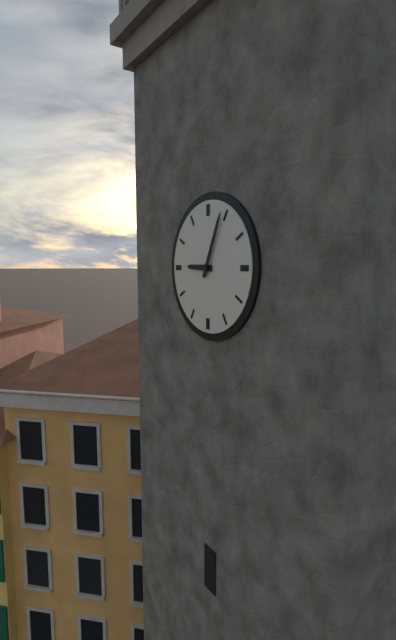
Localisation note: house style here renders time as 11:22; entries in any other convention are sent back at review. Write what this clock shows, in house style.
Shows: 9:04
